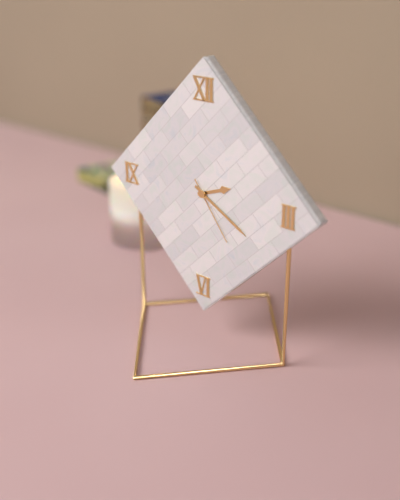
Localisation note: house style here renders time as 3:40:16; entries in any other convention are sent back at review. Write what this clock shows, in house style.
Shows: 2:20:24
